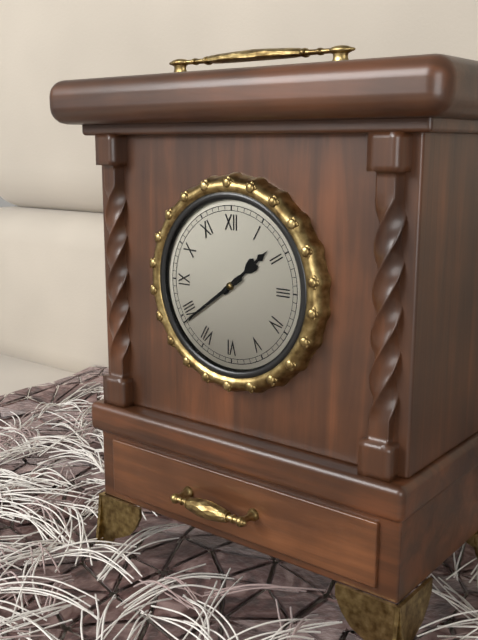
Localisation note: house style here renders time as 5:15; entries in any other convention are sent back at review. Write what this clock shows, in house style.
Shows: 1:39
